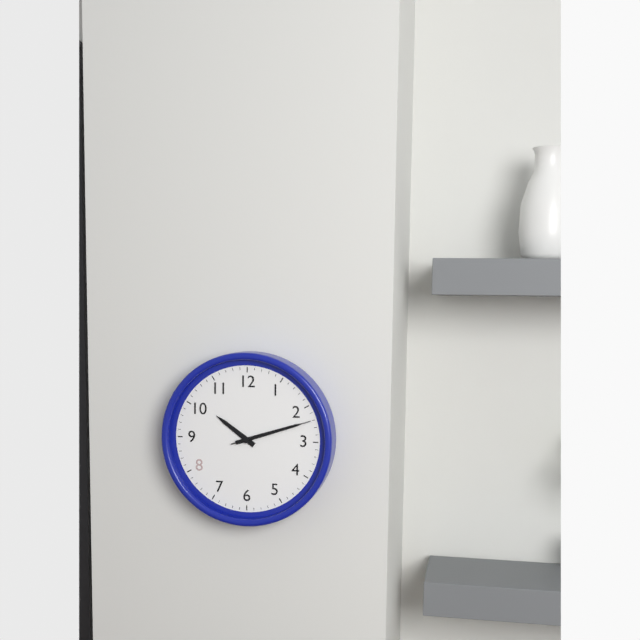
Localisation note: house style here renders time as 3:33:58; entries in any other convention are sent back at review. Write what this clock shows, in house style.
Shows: 10:12:12
